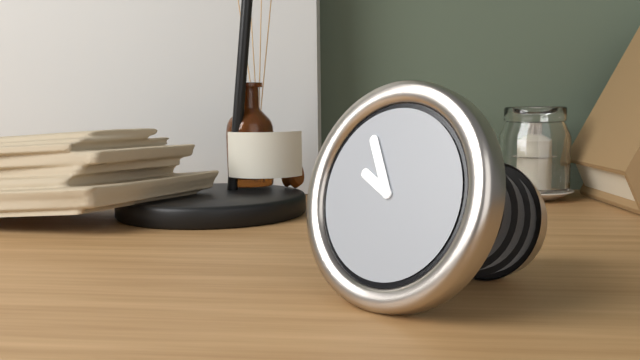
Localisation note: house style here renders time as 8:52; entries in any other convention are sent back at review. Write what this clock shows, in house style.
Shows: 9:55
